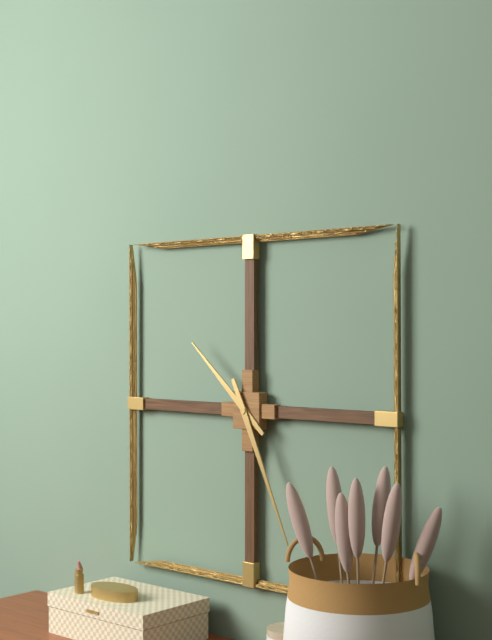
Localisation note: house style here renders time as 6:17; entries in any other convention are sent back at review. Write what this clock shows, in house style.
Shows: 10:26
